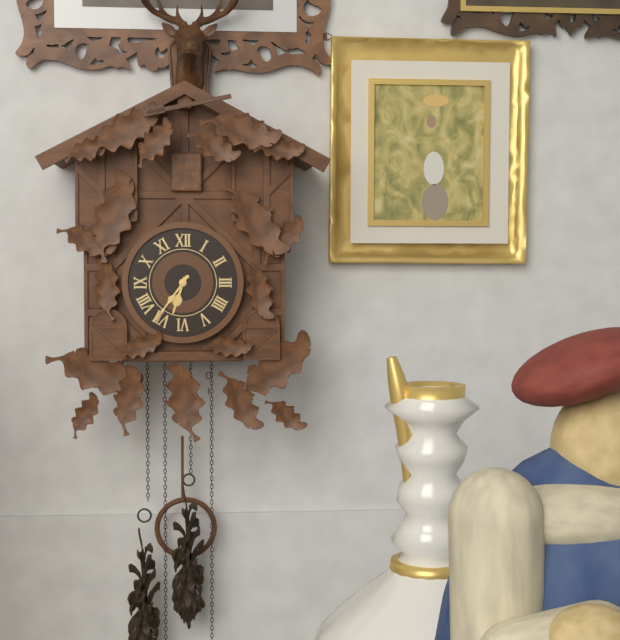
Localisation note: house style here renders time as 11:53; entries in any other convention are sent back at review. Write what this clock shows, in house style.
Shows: 6:36
